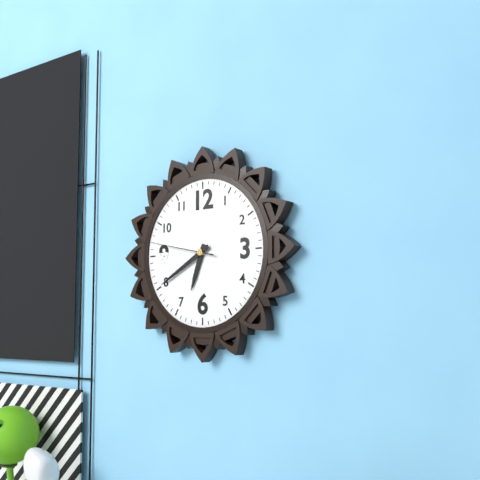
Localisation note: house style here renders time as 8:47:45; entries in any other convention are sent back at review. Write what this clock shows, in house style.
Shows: 6:40:47
